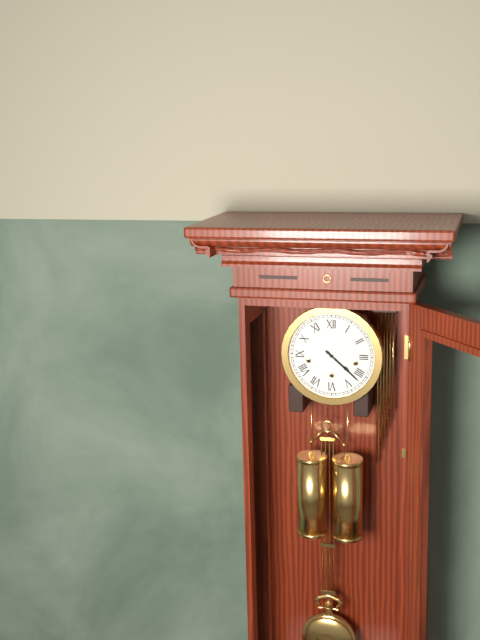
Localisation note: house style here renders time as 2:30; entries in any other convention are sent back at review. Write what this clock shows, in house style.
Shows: 4:22
